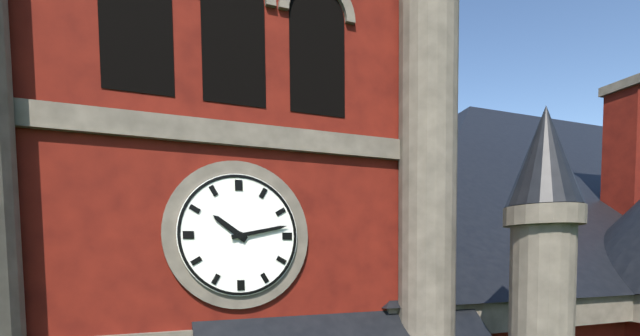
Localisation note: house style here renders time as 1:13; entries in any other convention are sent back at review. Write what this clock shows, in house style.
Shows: 10:13
